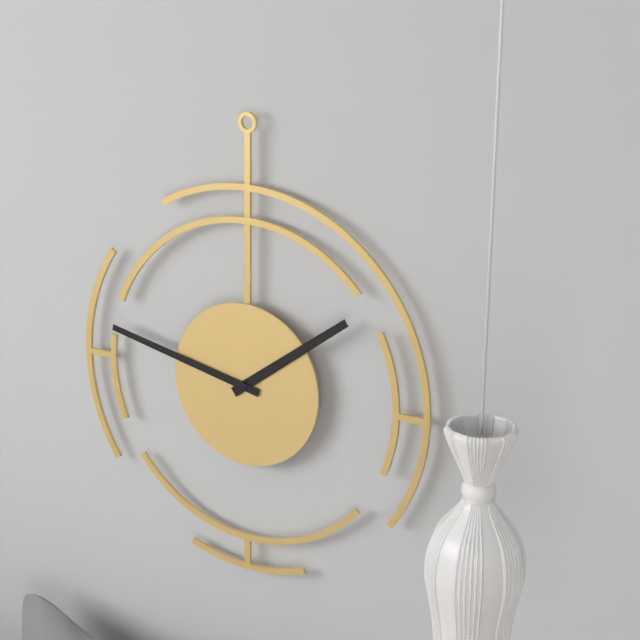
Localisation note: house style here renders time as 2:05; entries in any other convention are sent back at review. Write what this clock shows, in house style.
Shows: 1:47
